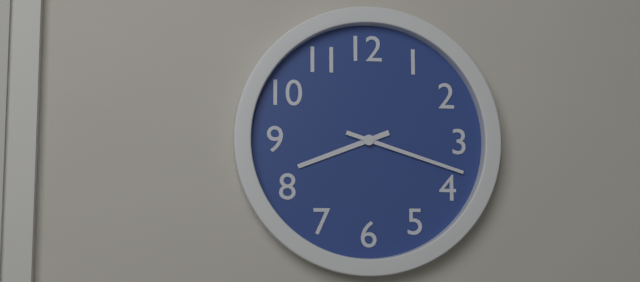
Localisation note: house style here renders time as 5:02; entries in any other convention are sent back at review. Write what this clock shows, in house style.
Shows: 8:18
